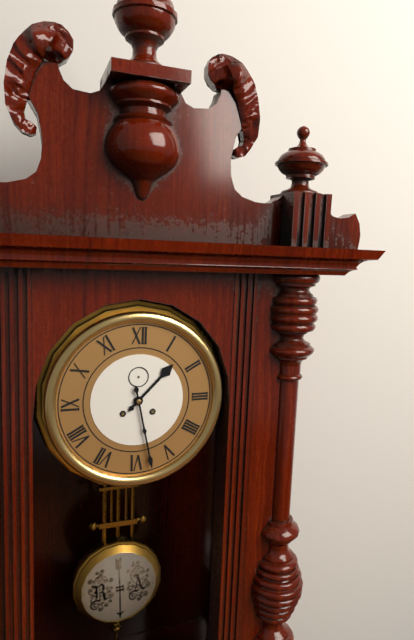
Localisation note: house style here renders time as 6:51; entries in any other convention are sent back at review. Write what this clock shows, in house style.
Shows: 1:28
